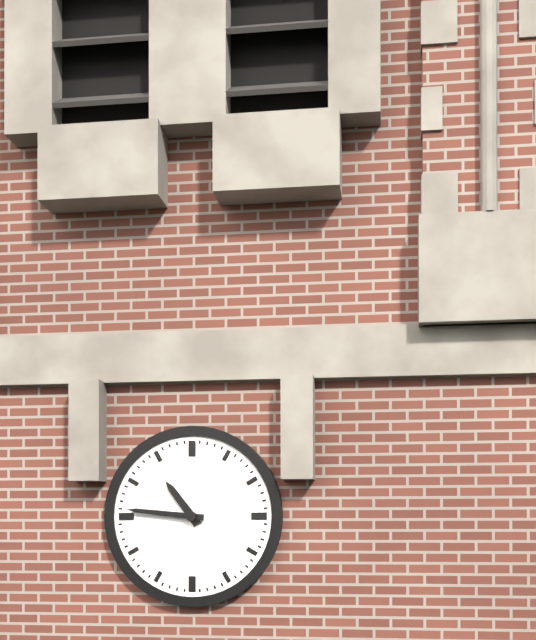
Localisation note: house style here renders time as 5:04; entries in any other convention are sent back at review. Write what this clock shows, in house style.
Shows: 10:46
